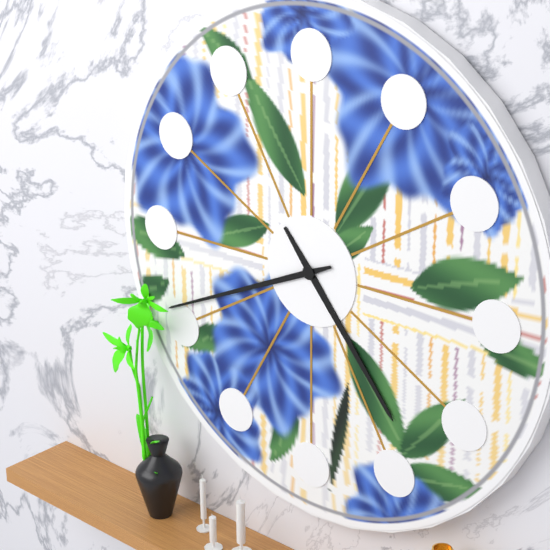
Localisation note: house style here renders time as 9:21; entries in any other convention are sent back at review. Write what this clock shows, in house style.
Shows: 4:41
